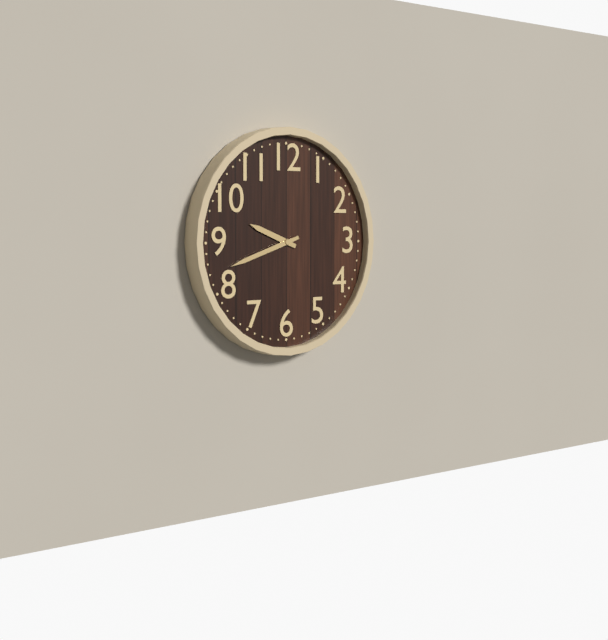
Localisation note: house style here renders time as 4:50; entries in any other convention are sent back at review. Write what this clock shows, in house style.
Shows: 9:42
